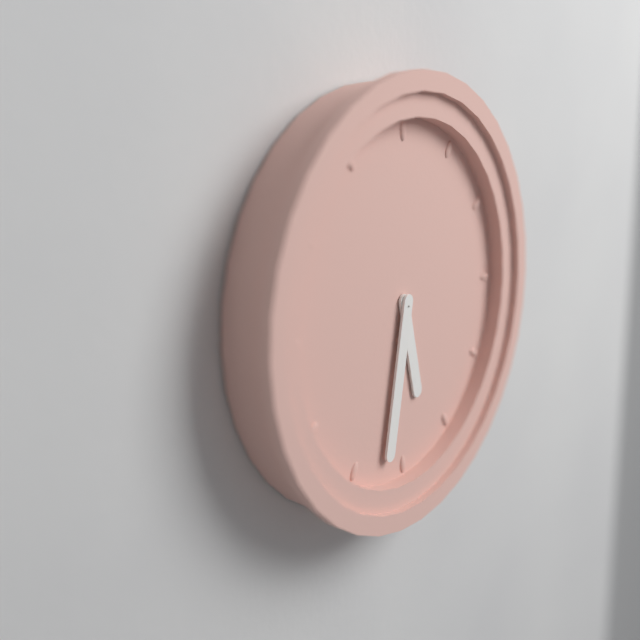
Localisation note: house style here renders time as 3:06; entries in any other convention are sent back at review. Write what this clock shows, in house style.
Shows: 5:32
